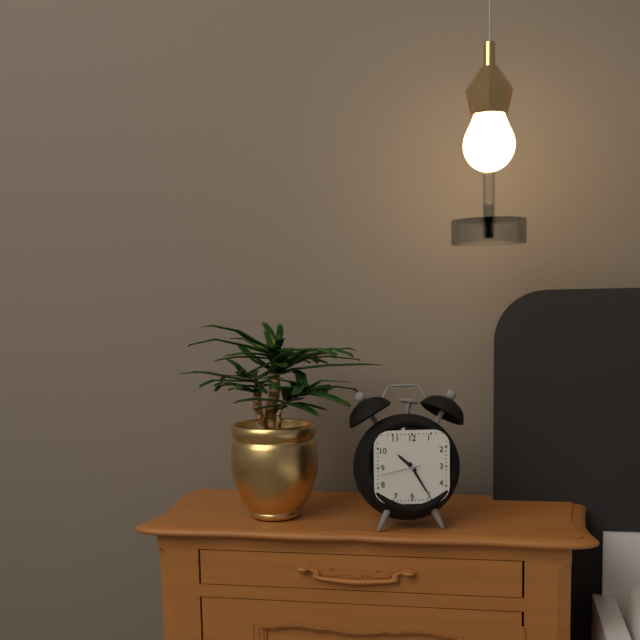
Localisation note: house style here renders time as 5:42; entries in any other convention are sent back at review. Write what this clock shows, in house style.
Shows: 10:25
